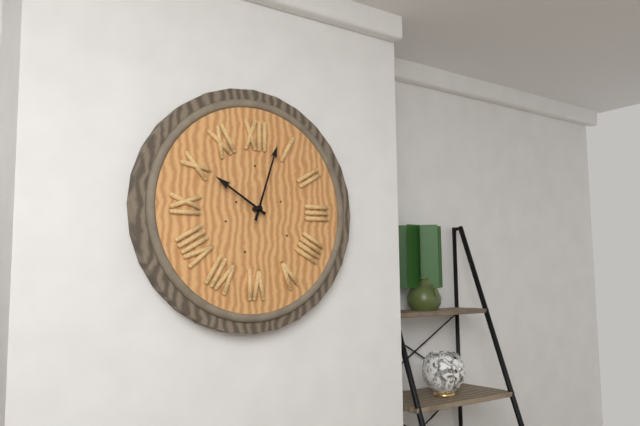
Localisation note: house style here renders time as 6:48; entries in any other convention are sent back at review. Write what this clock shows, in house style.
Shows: 10:03
